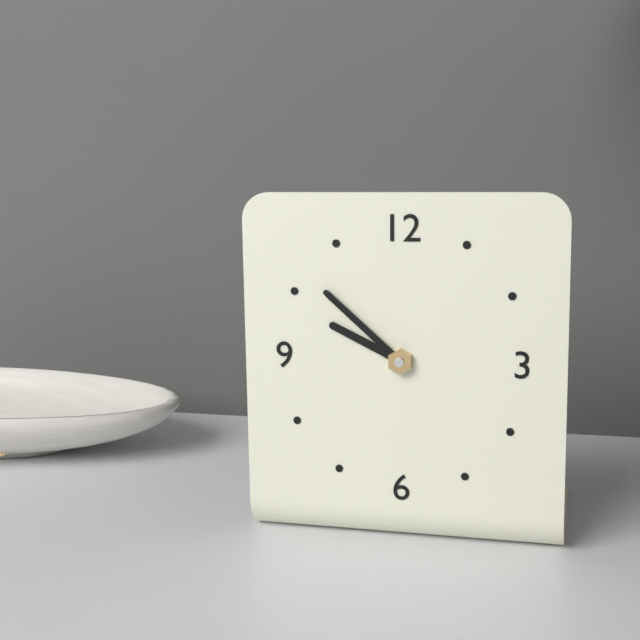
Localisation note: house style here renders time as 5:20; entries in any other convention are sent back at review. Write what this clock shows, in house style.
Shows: 9:52
